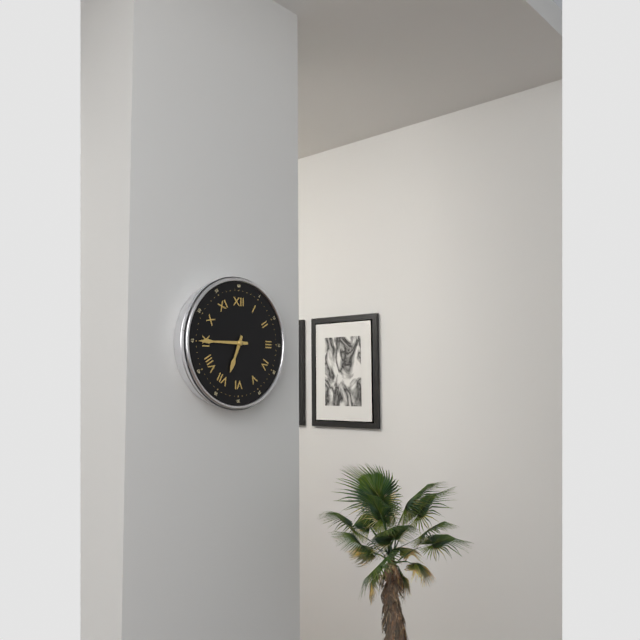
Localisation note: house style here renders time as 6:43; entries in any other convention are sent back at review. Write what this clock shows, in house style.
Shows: 6:45
